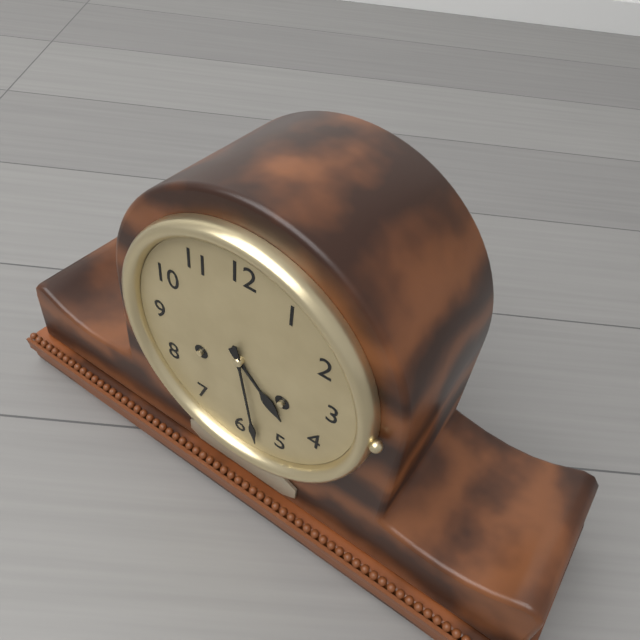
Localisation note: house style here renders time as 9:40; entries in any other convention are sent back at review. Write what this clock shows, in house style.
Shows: 4:28
